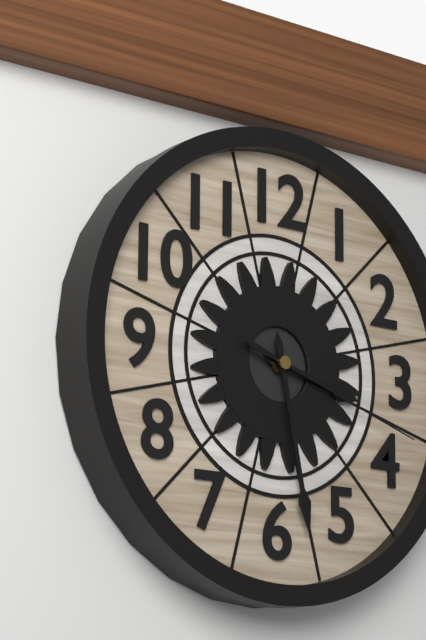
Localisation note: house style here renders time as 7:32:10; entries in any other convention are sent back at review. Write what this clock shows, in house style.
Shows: 3:28:18
